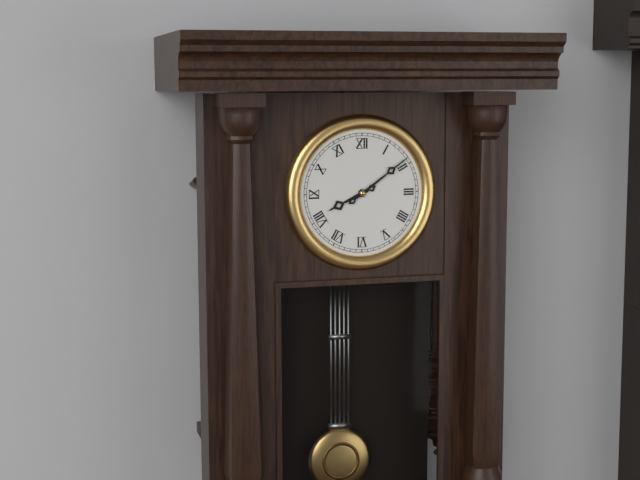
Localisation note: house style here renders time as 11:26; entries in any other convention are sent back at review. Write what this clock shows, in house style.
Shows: 8:09
